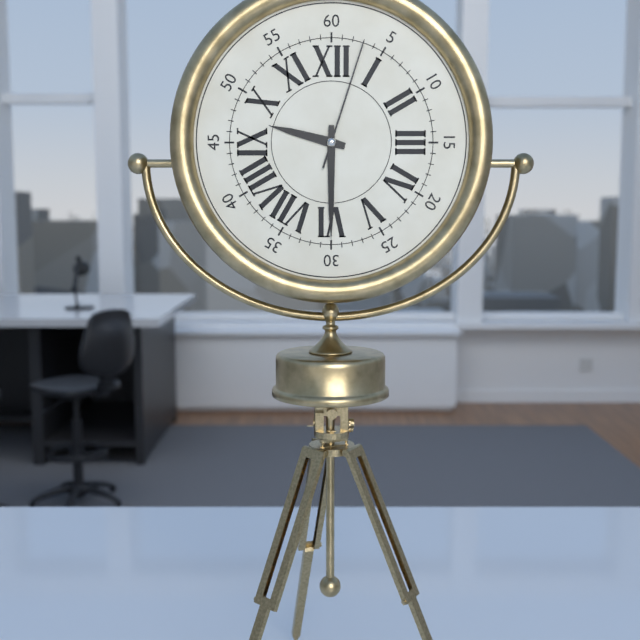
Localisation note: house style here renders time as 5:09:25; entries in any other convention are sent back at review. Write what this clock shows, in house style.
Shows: 9:30:03
